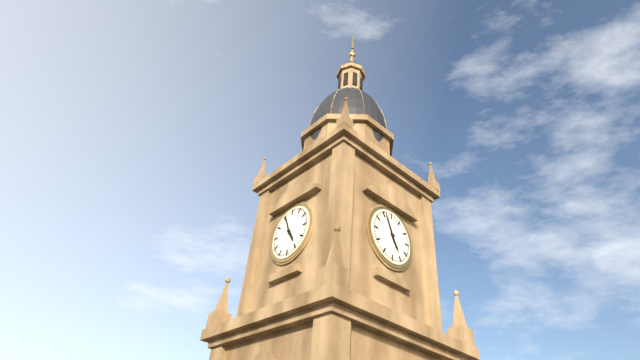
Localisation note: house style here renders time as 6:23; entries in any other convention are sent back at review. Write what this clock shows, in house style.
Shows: 4:56
